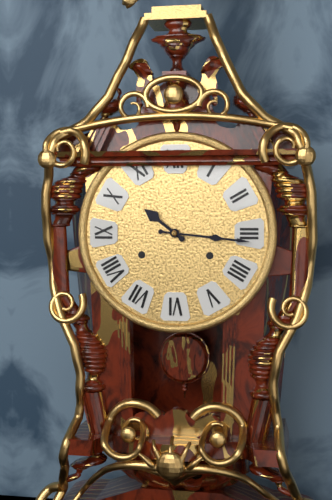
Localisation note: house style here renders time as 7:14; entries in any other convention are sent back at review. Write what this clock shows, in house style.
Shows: 10:16
